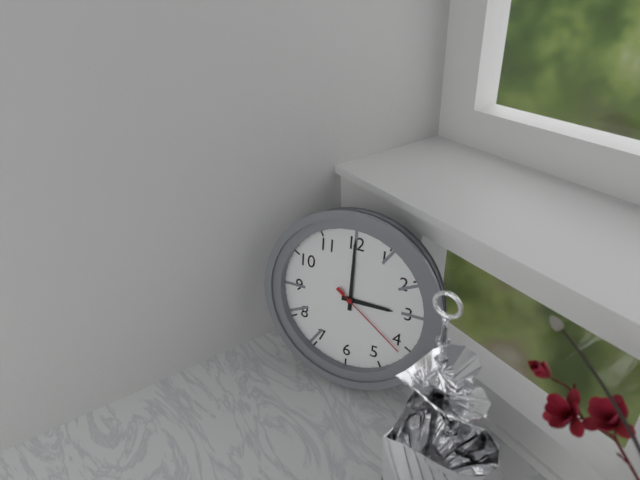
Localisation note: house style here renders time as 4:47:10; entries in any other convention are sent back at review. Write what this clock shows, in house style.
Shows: 3:00:21
